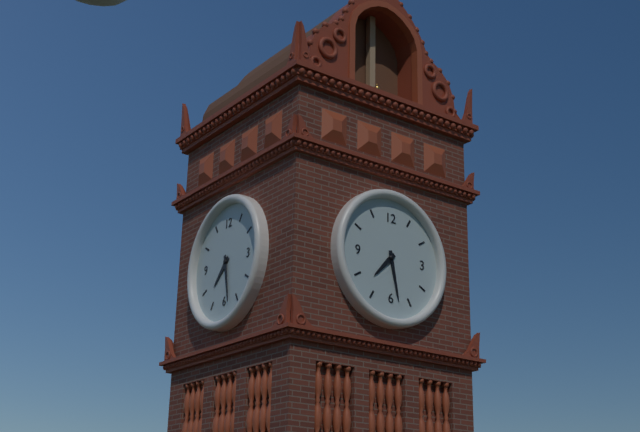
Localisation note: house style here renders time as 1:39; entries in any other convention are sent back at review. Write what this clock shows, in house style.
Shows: 7:28
